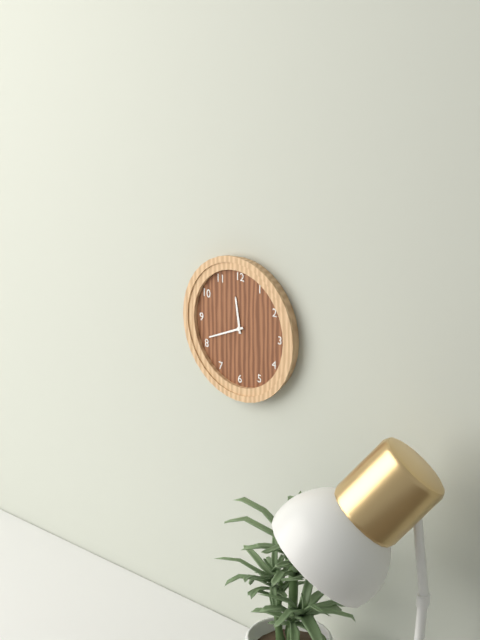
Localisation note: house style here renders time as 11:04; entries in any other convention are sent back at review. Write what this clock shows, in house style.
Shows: 11:41
